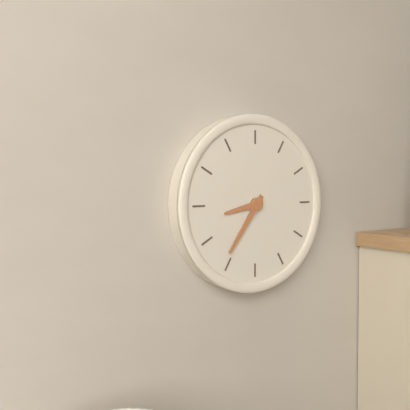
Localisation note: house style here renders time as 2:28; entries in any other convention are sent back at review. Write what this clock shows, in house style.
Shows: 8:36
